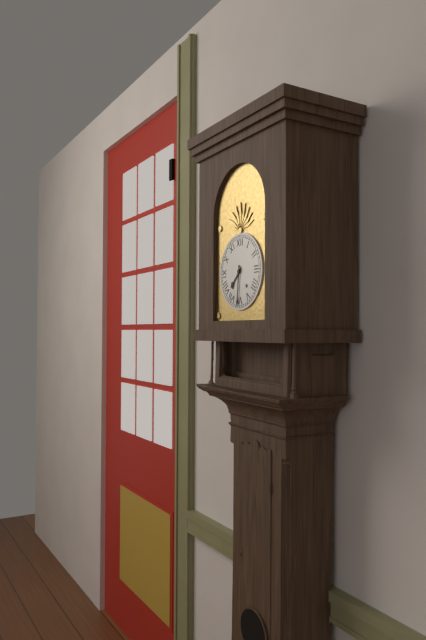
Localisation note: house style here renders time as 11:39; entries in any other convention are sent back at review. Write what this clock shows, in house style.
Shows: 7:31
